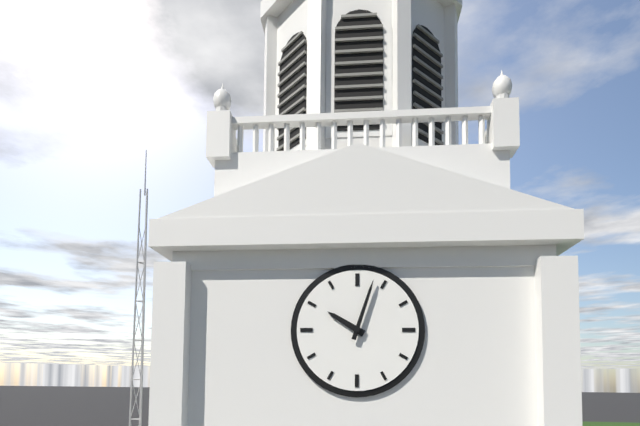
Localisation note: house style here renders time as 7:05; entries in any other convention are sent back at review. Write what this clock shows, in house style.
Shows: 10:03
